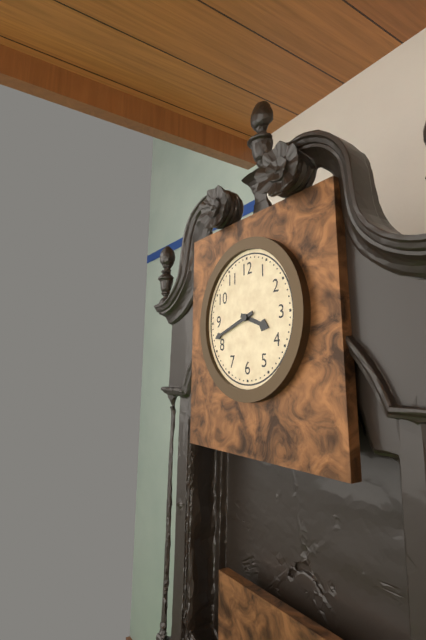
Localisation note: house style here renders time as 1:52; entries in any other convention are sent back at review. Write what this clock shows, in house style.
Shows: 3:42
